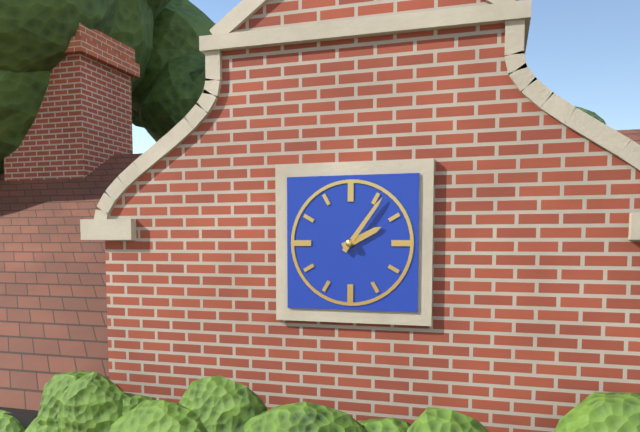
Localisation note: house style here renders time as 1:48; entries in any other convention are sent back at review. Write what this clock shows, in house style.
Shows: 2:06
